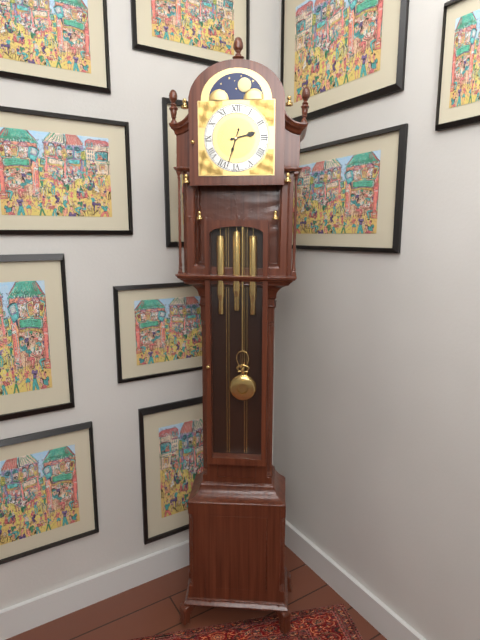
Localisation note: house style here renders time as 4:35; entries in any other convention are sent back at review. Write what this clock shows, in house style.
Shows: 2:33
